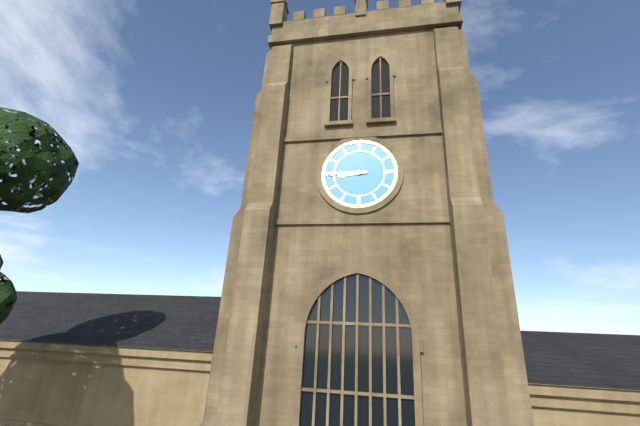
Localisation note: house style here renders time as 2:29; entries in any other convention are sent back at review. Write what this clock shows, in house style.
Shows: 8:45
